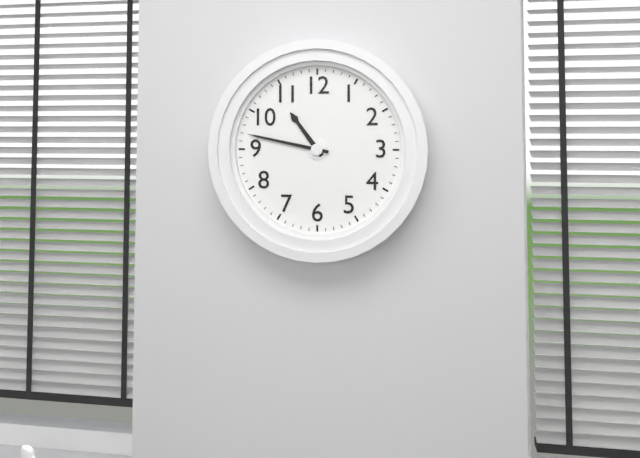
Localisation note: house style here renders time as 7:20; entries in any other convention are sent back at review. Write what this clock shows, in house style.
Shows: 10:47
